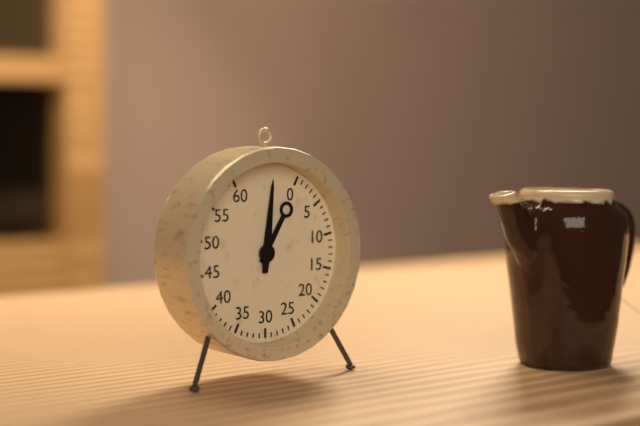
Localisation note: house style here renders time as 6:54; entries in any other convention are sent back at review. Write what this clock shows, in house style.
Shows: 1:01
